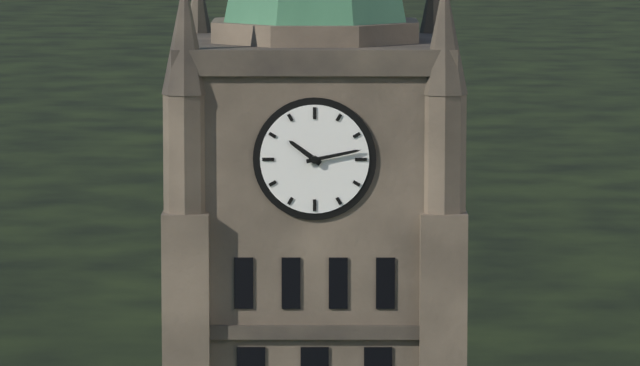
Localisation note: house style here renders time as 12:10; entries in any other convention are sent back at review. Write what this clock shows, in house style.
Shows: 10:13
